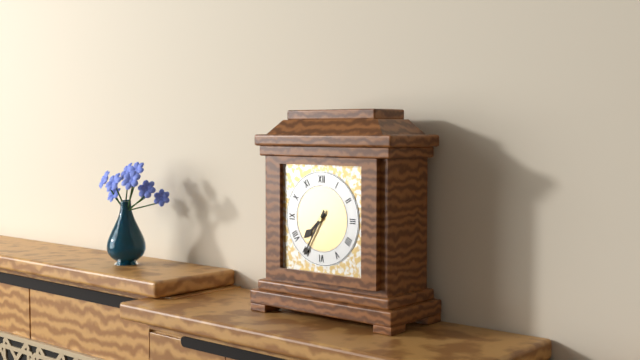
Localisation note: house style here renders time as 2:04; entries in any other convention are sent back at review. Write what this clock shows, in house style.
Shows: 7:35
